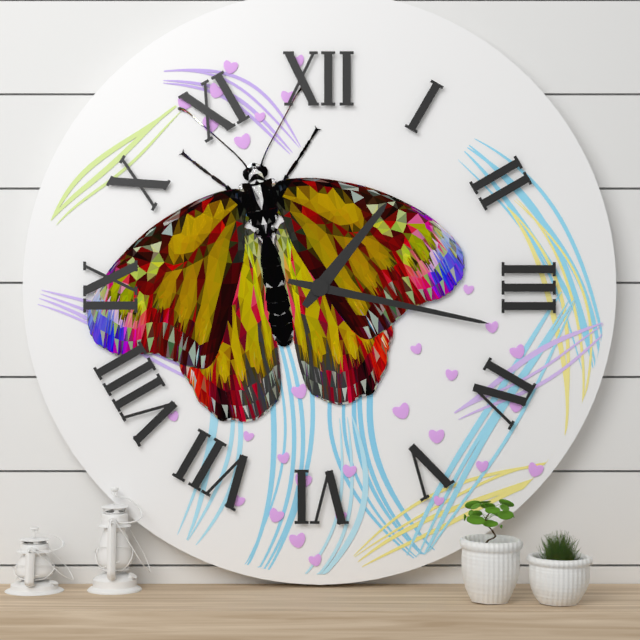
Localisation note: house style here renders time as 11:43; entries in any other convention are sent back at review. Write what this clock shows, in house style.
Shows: 1:17
